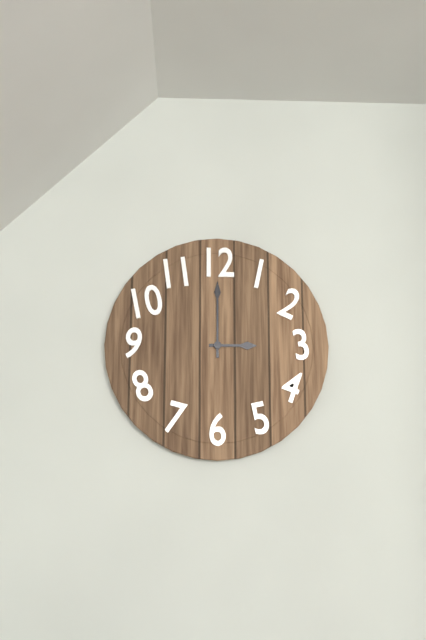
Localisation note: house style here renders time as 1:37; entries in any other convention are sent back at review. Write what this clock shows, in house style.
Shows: 3:00
